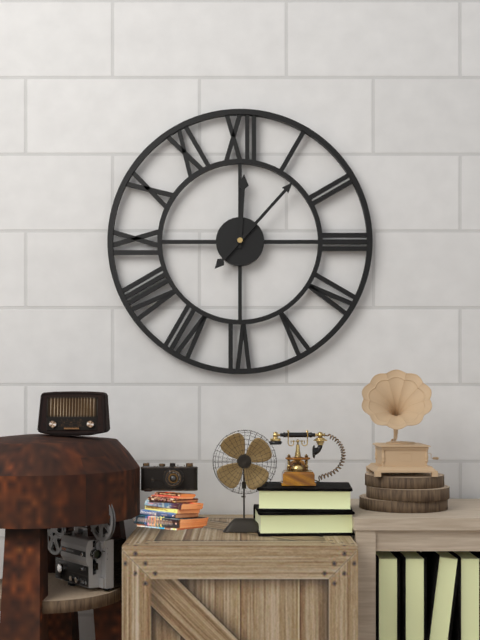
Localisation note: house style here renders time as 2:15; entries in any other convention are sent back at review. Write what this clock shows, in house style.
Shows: 12:07
